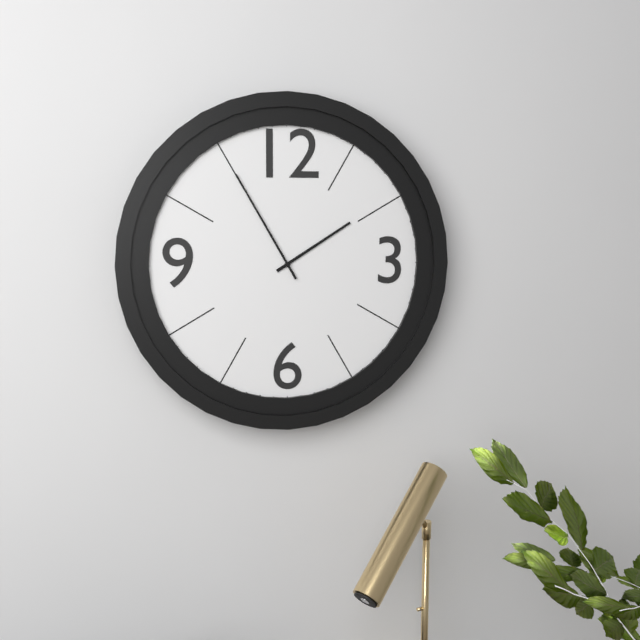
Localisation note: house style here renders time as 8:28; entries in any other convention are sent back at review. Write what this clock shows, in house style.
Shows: 1:55
